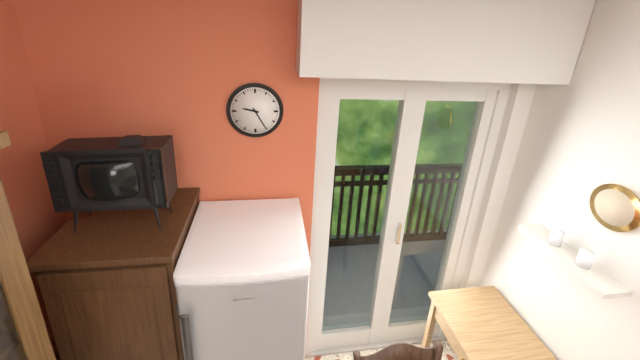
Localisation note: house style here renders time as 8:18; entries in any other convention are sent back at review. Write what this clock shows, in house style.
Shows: 9:25
